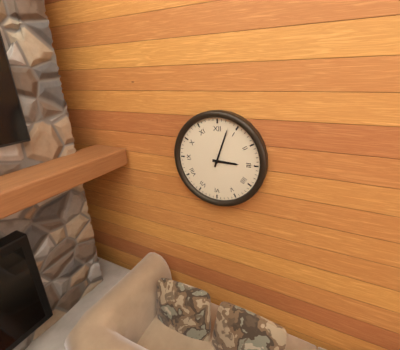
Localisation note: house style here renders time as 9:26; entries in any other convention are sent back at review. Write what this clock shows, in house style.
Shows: 3:03
